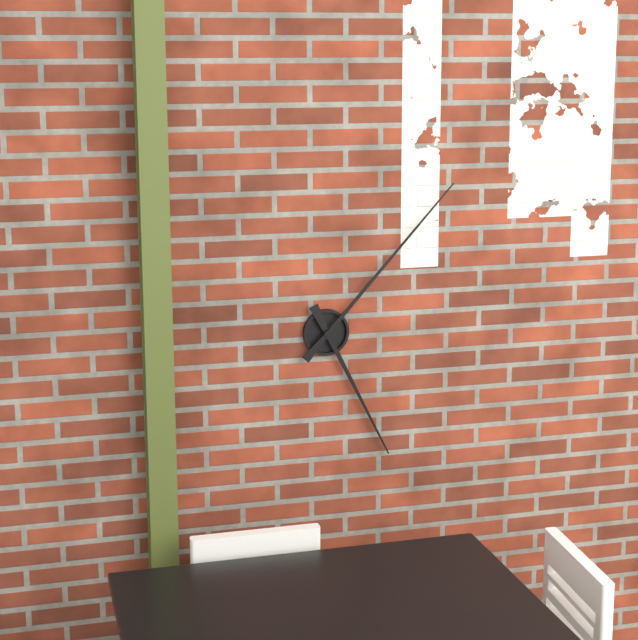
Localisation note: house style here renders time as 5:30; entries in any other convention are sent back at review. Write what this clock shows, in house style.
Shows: 5:07
